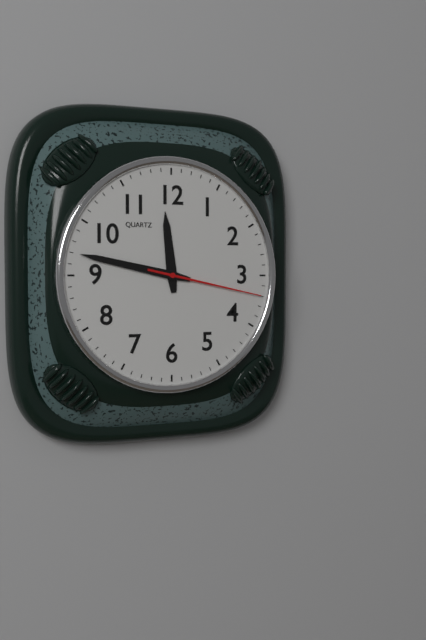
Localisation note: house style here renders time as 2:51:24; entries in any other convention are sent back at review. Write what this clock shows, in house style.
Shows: 11:47:17
